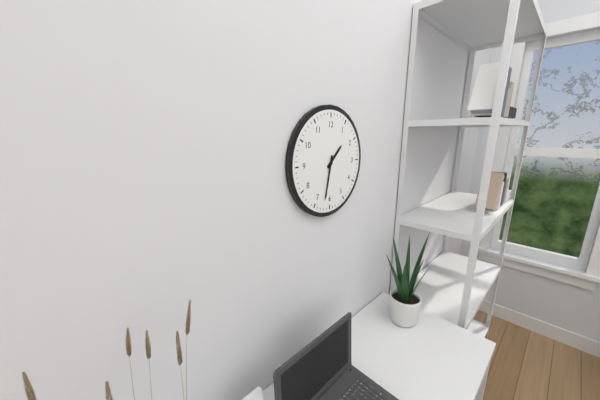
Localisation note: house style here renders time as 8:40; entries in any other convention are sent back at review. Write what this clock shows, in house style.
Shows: 1:32
